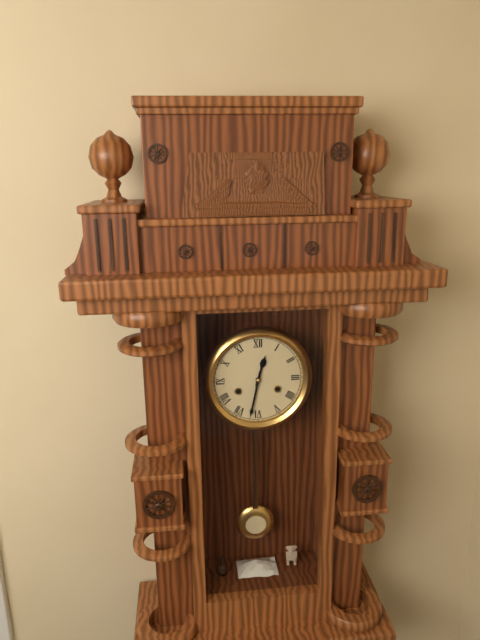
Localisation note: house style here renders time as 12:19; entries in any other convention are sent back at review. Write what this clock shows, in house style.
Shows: 12:32
